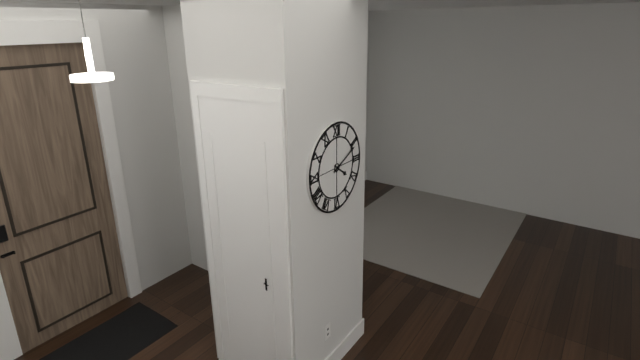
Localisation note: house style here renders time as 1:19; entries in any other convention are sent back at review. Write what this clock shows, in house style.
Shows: 4:11
